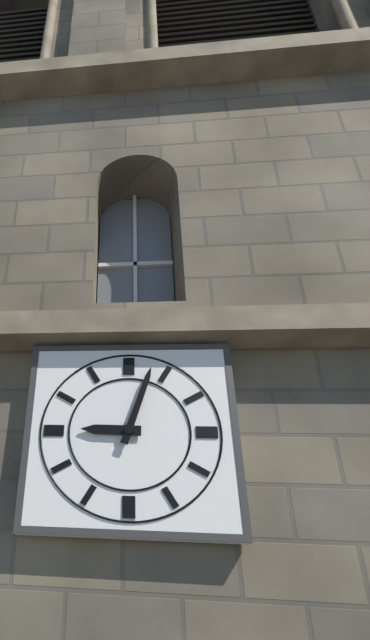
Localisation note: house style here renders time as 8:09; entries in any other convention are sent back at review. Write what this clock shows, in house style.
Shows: 9:03
